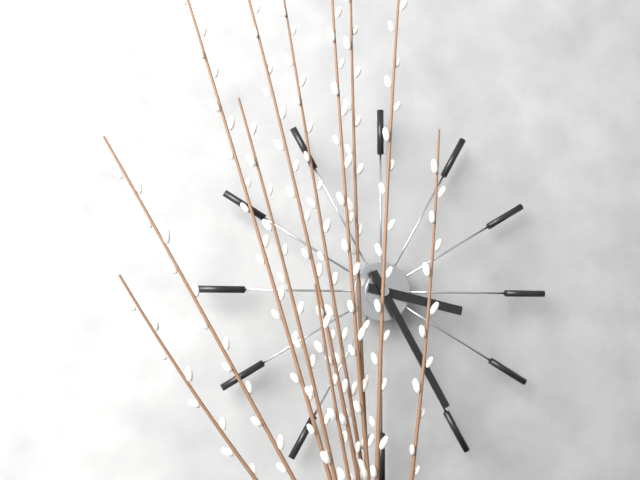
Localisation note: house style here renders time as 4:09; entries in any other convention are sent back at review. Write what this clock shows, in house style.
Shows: 3:25
